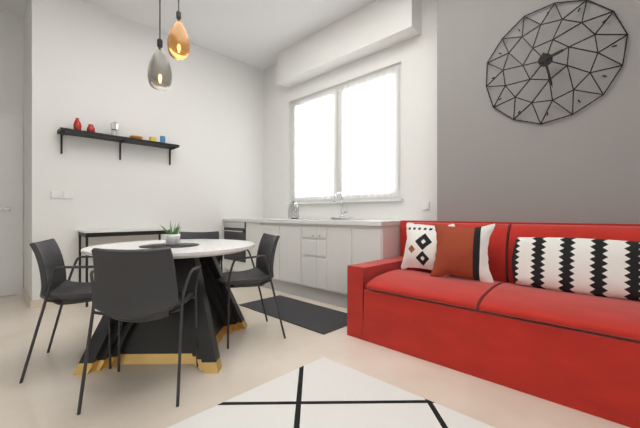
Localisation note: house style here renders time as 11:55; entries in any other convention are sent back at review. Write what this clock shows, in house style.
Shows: 2:28
